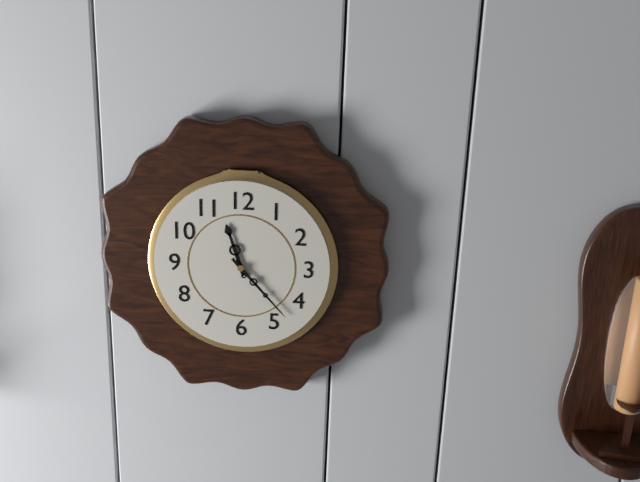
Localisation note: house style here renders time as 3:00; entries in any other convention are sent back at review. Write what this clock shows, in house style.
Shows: 11:23
